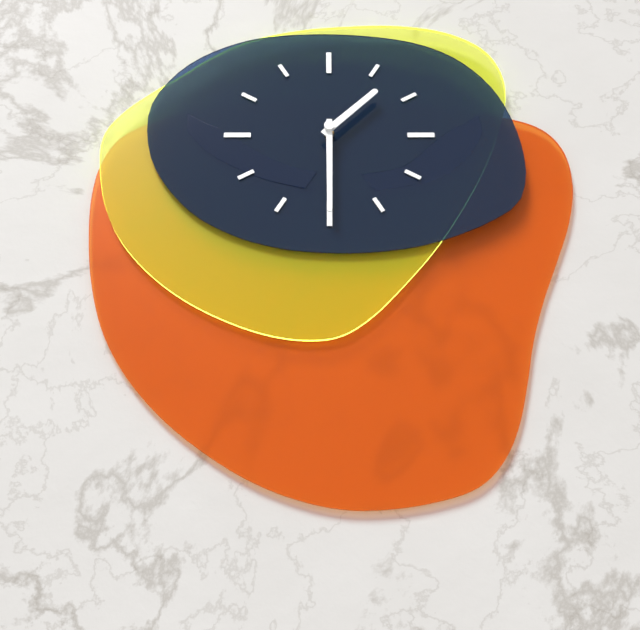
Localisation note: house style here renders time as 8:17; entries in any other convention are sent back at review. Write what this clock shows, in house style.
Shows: 1:30
